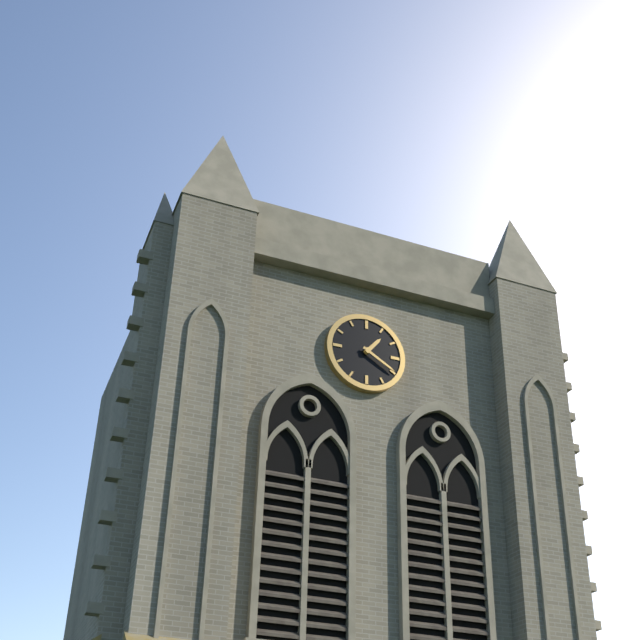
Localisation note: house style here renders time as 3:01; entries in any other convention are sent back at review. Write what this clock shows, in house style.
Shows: 1:20
